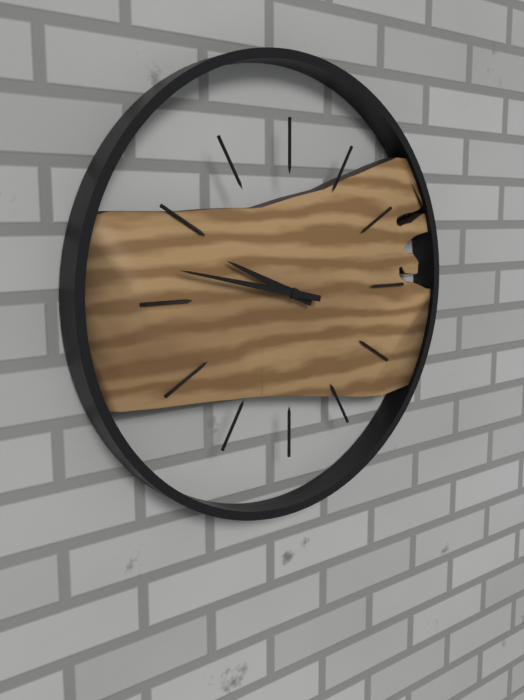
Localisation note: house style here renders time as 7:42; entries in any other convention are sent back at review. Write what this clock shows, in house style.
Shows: 9:47
